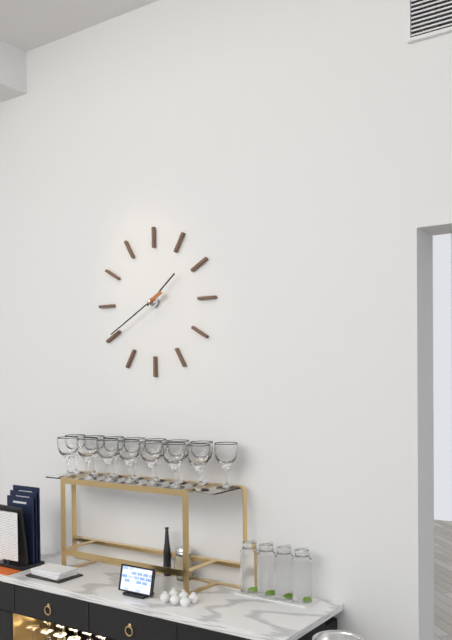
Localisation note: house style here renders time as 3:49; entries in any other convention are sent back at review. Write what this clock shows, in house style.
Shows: 1:40
